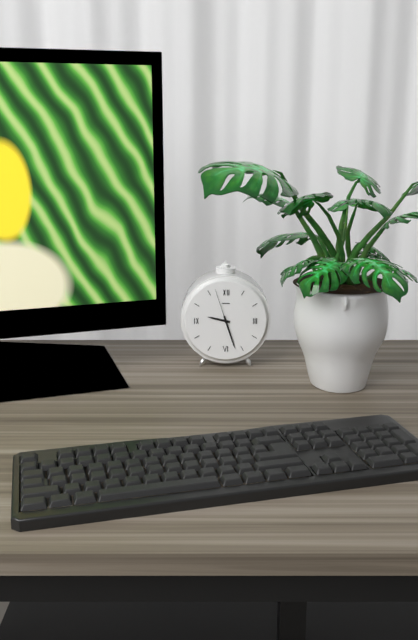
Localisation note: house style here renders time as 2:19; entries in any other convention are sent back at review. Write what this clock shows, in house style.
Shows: 9:27
